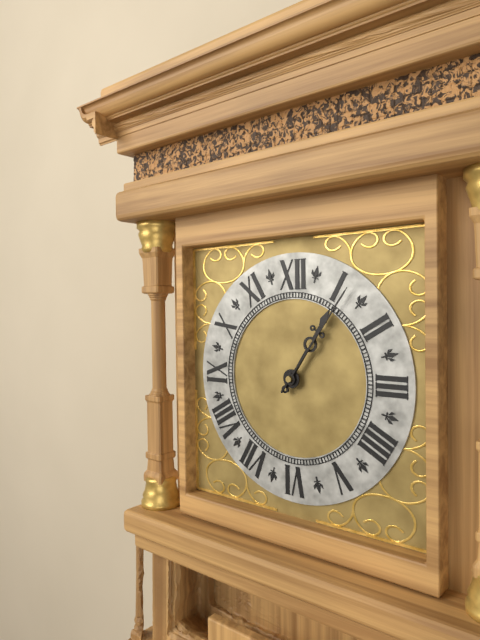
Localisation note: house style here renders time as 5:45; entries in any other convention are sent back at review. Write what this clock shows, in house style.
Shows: 1:06
